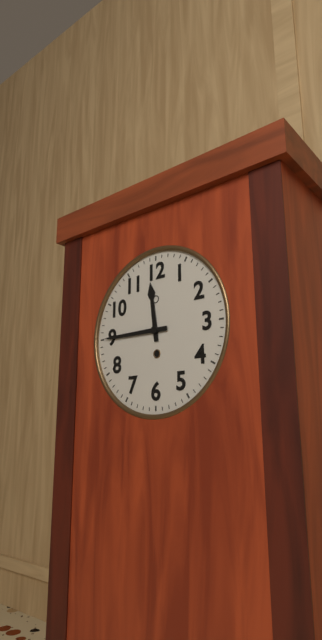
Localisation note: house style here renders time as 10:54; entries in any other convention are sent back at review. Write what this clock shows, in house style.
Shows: 11:45
